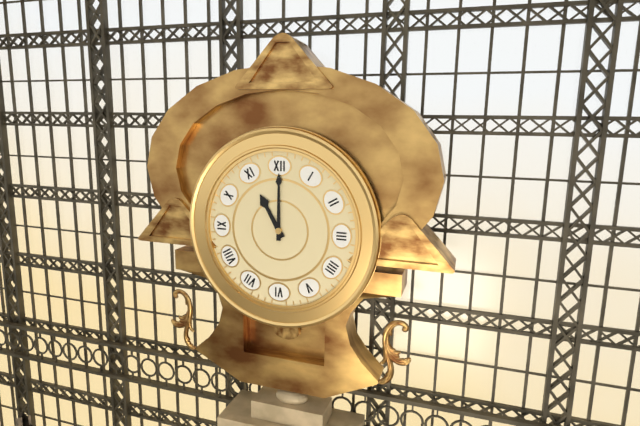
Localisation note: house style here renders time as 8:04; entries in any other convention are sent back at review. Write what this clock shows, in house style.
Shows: 11:00
